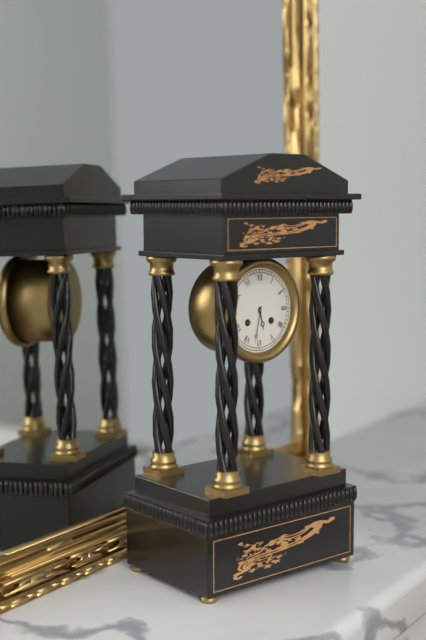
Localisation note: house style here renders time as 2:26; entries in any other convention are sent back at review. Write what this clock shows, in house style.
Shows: 5:32
